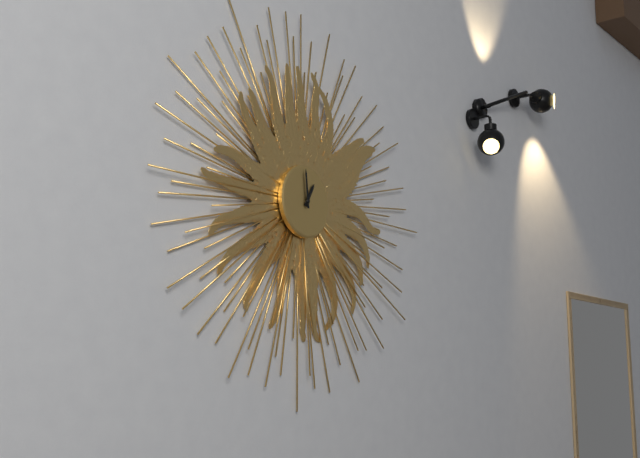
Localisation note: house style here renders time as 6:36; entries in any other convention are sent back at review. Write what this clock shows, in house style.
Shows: 12:59
